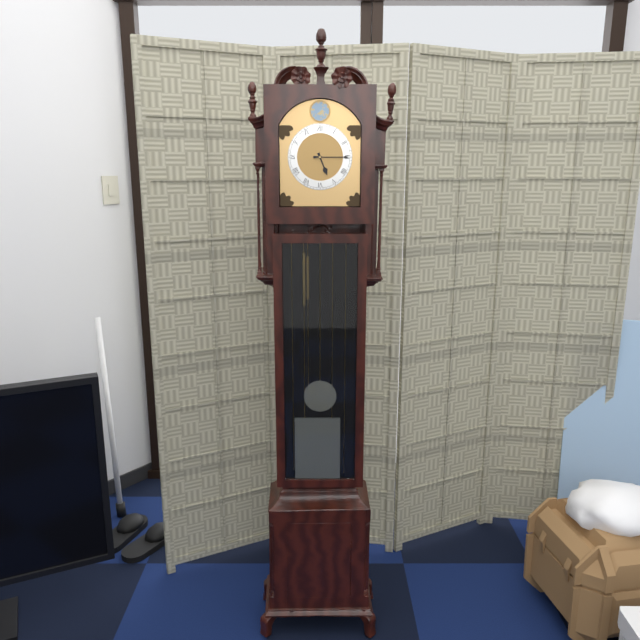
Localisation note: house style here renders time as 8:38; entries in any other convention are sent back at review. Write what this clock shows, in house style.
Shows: 5:15
